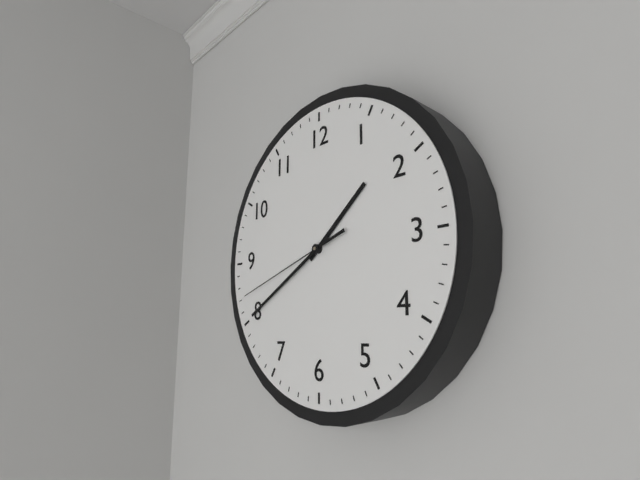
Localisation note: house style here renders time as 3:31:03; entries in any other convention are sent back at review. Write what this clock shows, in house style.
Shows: 1:40:42
